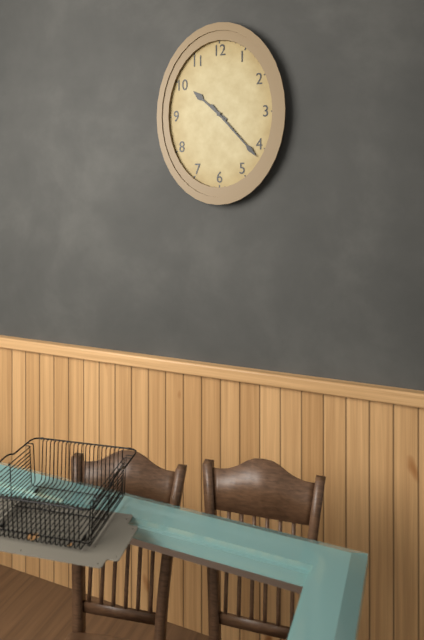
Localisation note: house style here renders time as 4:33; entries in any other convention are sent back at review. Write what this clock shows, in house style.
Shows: 10:23
